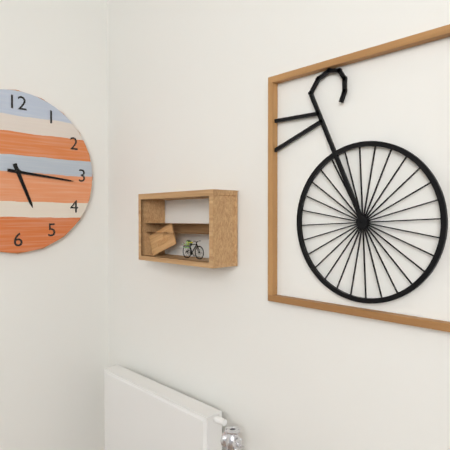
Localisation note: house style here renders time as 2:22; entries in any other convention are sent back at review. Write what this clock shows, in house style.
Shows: 5:16
